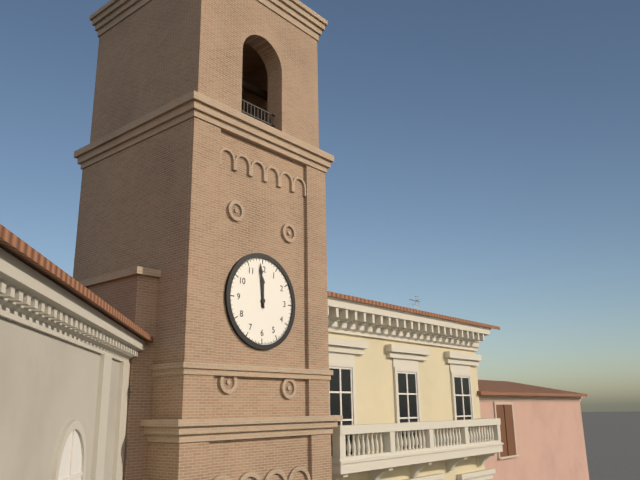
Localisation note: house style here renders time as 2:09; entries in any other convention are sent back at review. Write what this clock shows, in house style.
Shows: 11:59
